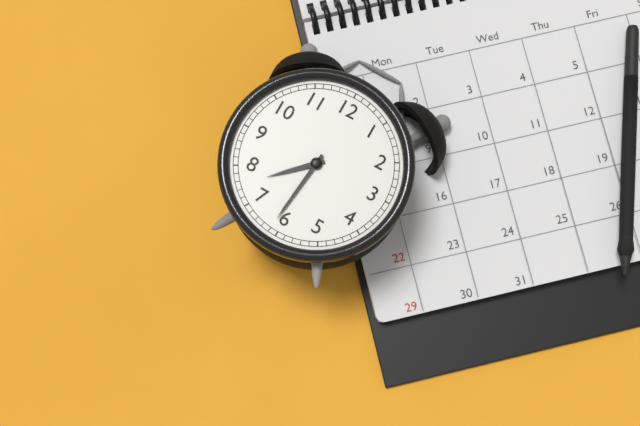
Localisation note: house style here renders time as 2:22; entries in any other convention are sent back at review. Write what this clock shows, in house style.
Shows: 7:31
